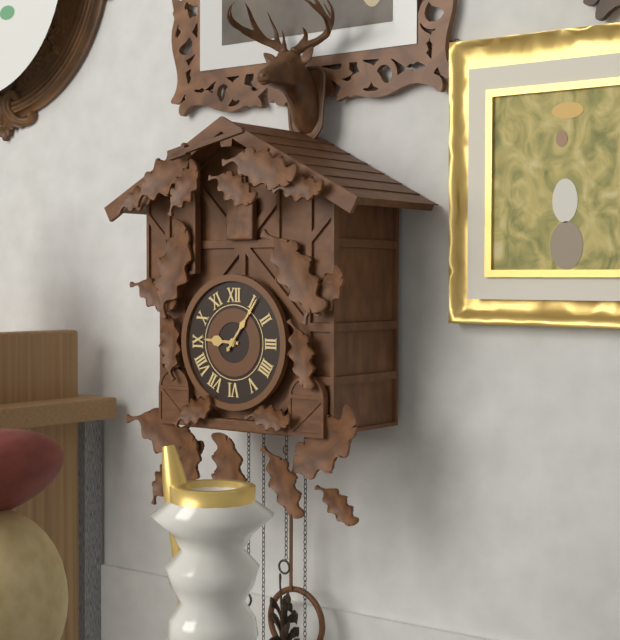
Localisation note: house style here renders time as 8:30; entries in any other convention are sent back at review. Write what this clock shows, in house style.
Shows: 9:06
